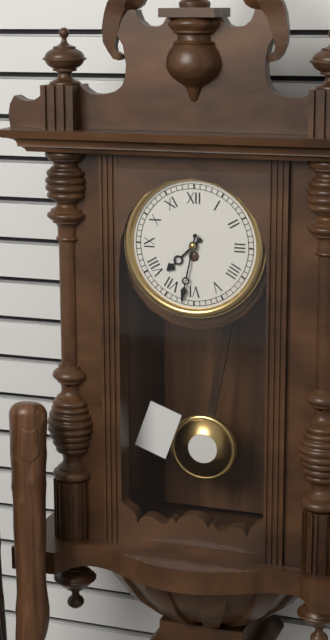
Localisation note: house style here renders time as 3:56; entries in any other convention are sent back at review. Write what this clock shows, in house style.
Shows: 7:32
